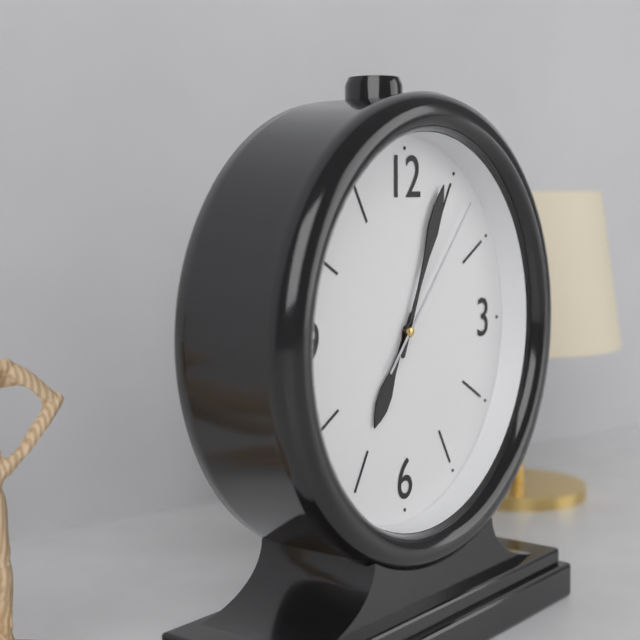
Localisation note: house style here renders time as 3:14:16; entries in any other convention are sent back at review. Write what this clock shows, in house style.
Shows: 7:04:07
